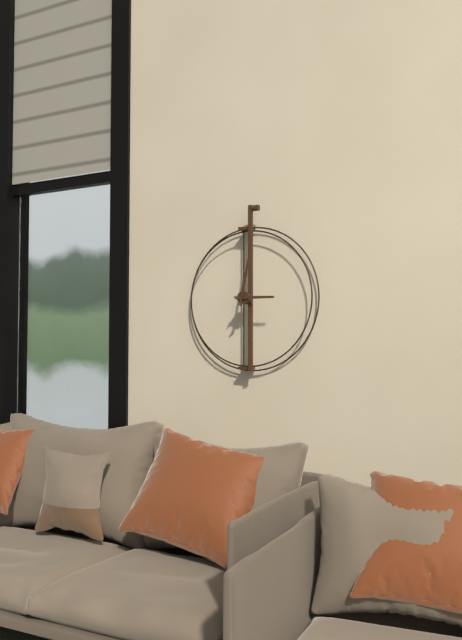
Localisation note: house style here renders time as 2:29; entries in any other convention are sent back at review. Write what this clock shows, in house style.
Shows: 3:02
